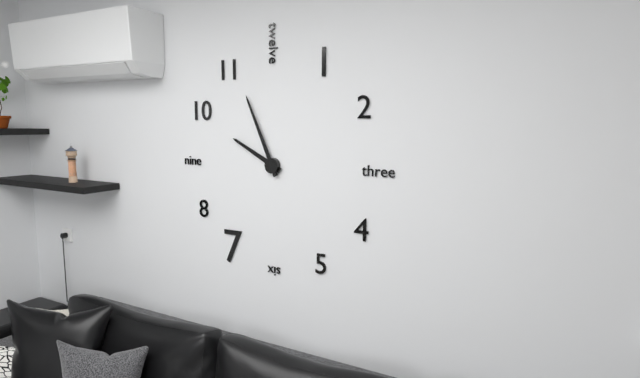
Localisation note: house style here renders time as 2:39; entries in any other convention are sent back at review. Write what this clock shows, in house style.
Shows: 9:56
